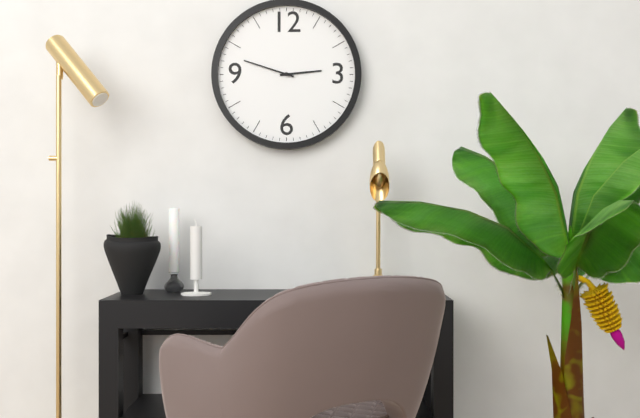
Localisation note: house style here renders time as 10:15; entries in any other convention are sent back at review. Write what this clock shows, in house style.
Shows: 2:48
